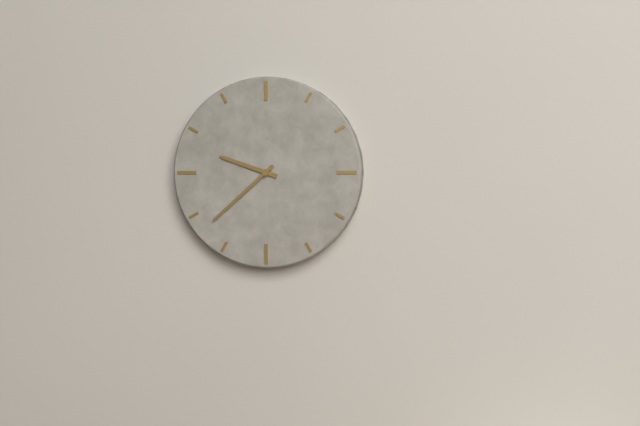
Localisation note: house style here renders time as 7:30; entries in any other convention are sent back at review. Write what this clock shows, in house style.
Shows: 9:38
